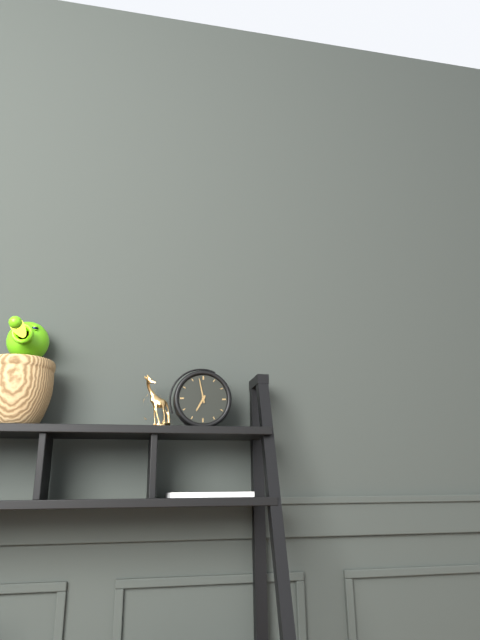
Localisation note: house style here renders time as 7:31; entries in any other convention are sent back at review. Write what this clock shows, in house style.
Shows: 6:58
